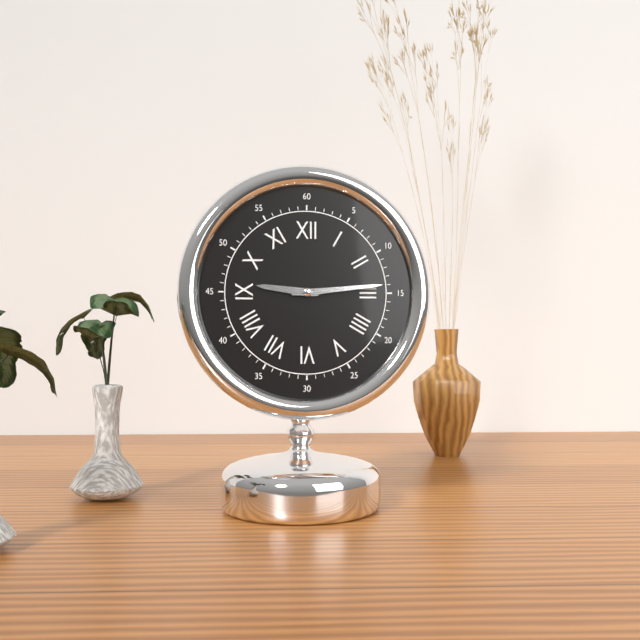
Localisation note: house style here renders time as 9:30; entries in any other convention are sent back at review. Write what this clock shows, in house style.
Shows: 9:14
